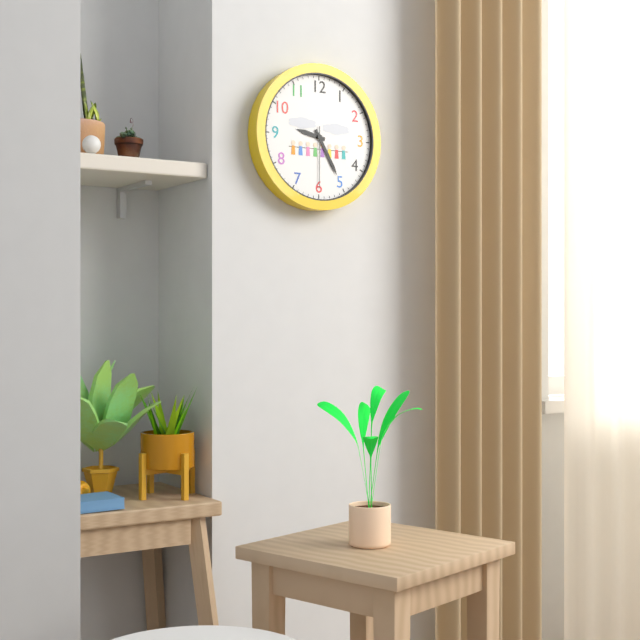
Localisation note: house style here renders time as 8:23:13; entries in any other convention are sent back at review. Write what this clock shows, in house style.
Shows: 9:25:30
